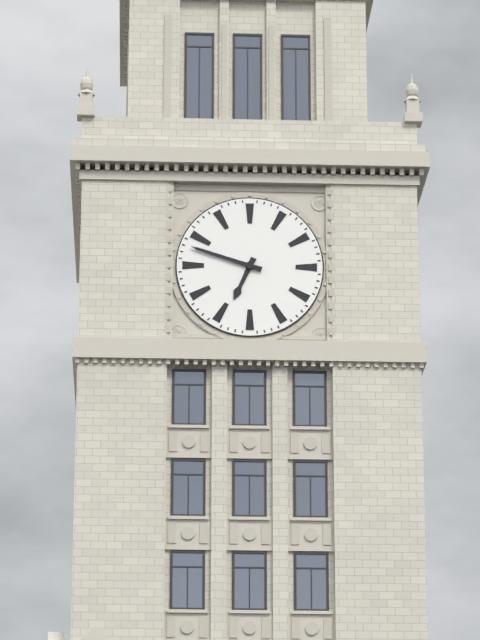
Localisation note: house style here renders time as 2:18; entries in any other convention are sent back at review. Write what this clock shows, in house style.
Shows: 6:48
